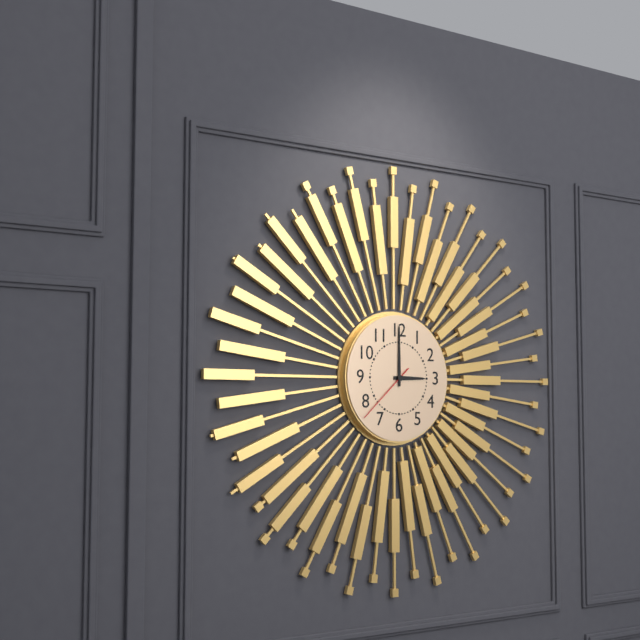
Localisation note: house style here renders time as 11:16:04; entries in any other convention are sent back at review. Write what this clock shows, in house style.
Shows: 3:00:38
